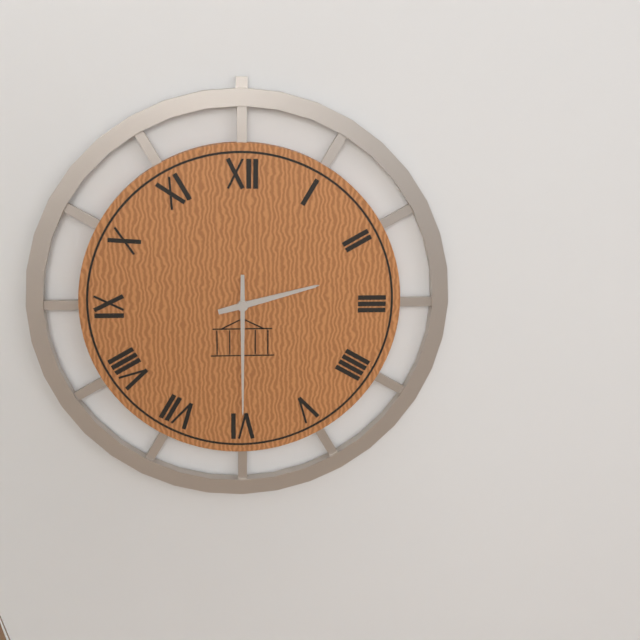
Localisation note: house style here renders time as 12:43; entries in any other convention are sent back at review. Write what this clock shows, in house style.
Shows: 2:30
